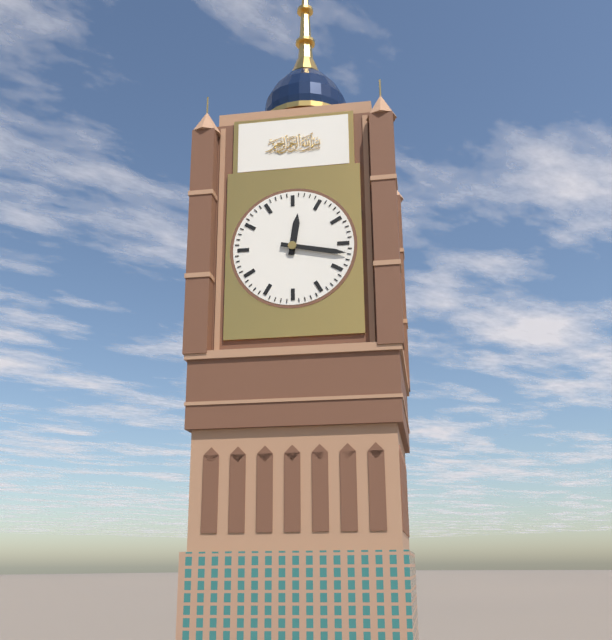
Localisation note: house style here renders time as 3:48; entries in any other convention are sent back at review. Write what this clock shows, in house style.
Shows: 12:17
